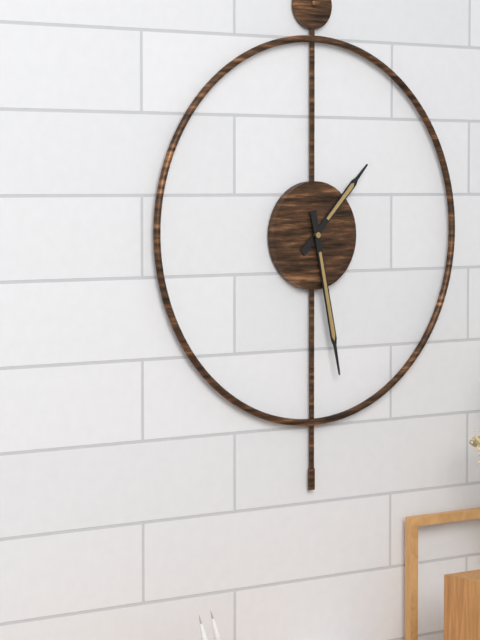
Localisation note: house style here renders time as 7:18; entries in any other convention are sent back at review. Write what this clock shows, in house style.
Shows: 1:28
